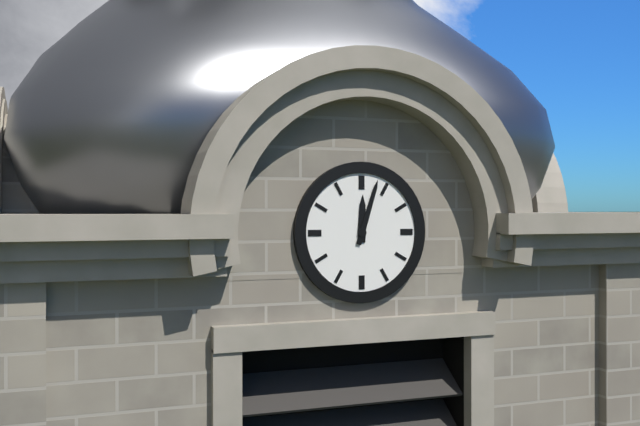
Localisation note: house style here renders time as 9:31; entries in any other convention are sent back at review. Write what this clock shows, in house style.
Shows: 12:03
